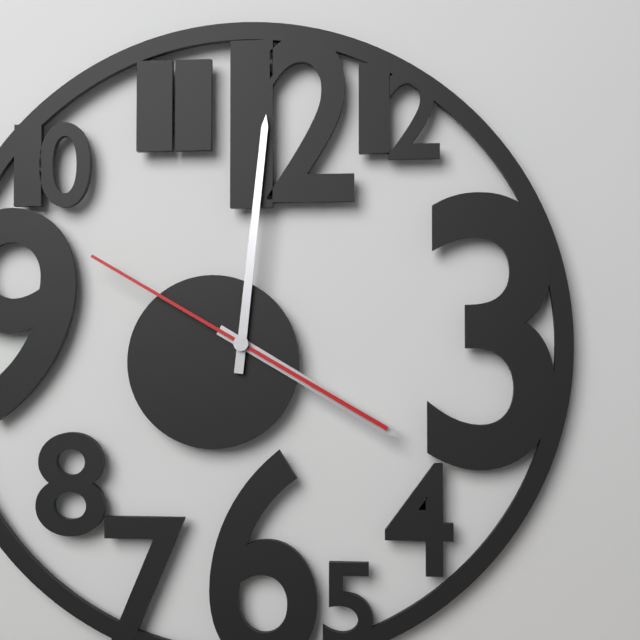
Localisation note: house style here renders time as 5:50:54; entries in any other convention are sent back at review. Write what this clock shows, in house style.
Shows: 4:01:50
